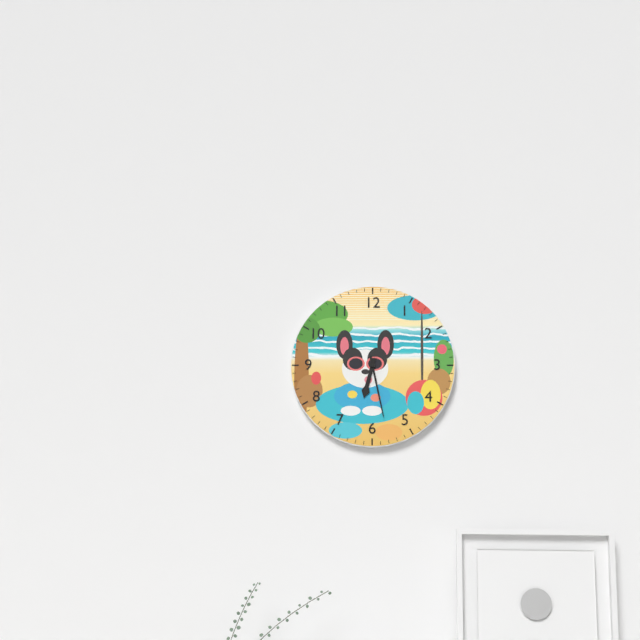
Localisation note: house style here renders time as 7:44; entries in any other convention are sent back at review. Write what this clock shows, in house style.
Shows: 6:28
